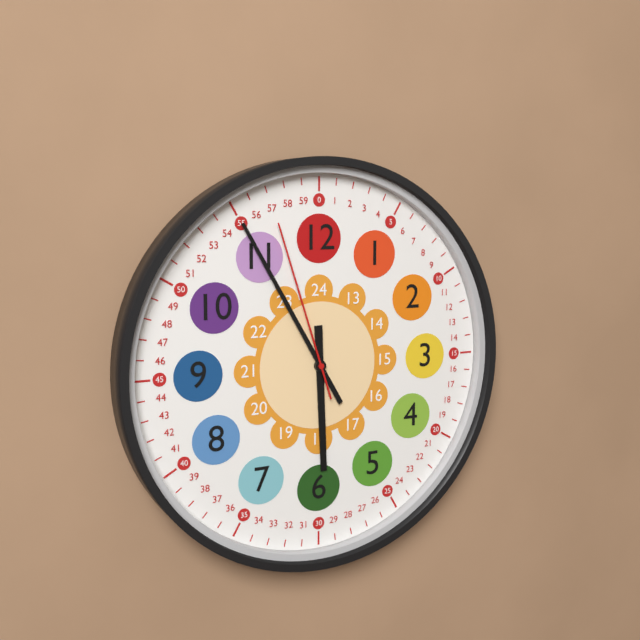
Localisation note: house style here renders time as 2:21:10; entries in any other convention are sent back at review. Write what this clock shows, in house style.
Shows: 5:55:57
